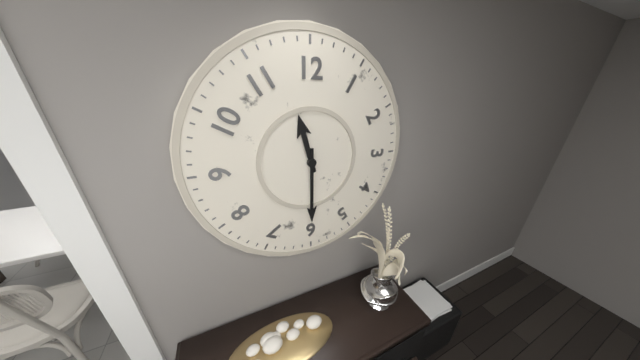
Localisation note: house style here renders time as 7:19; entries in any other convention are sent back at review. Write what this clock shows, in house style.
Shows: 11:30
